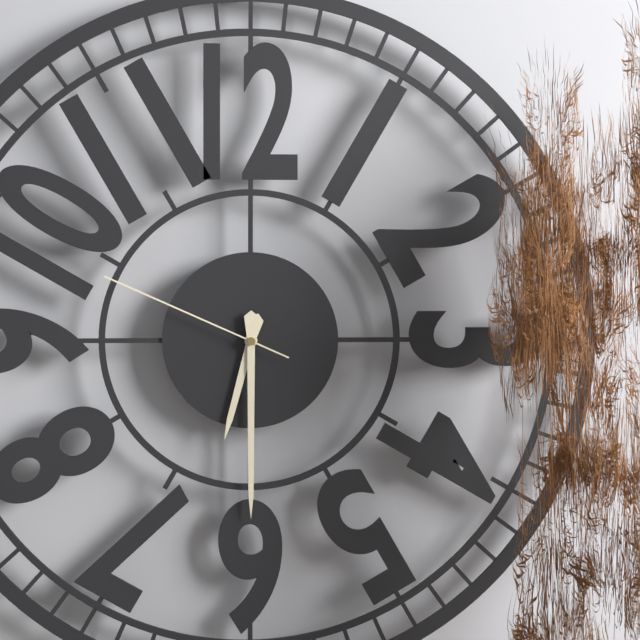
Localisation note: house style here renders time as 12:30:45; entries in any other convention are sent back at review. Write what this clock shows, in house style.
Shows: 6:30:49
